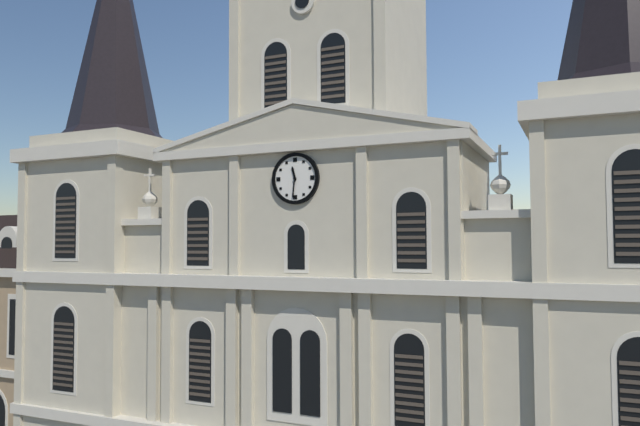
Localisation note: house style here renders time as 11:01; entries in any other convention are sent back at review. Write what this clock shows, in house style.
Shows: 11:31
